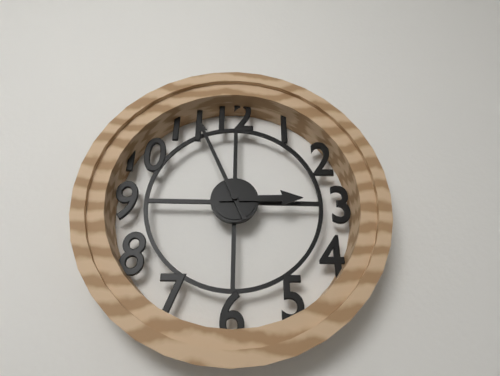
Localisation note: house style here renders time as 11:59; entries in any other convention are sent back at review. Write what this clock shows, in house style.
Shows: 2:56
